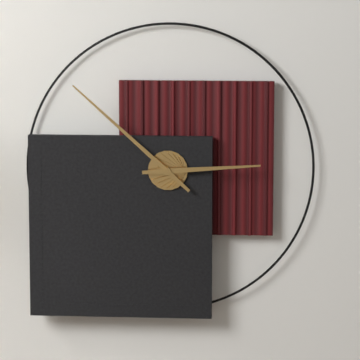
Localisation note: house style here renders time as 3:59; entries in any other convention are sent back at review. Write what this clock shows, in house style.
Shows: 2:52
